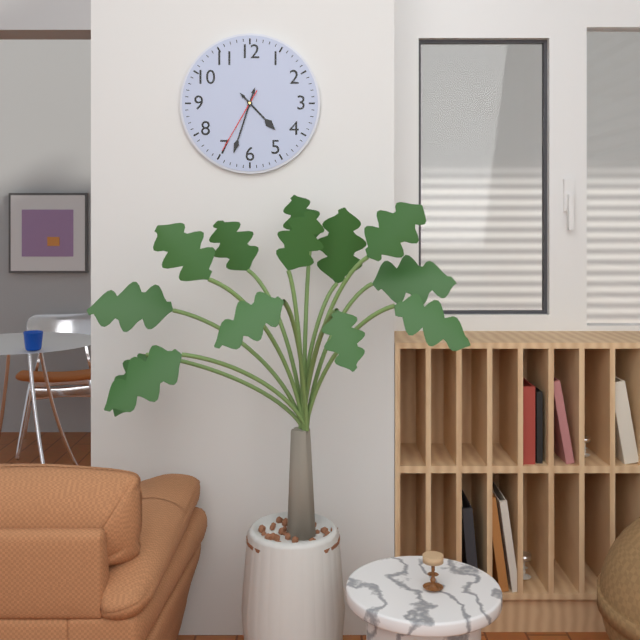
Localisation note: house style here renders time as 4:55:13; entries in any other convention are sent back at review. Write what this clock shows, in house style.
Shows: 4:33:35
